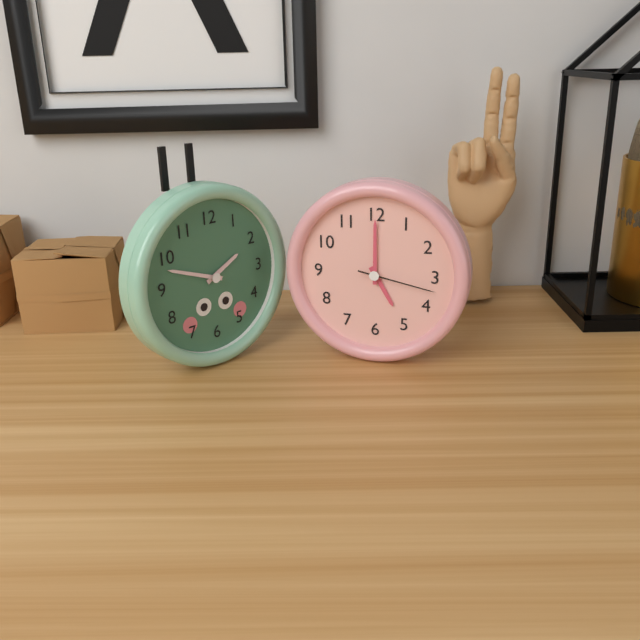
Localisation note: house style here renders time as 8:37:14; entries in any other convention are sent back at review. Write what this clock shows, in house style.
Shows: 5:00:17
